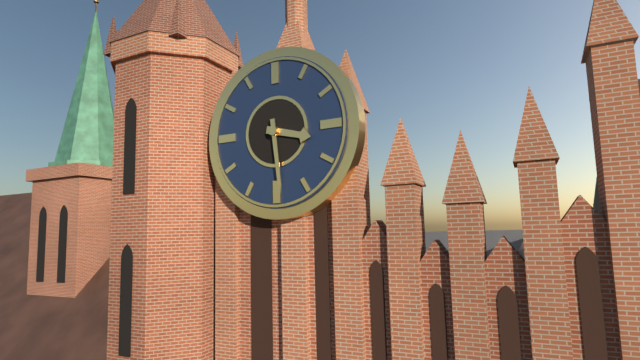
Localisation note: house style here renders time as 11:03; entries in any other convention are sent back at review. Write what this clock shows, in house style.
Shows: 3:29
